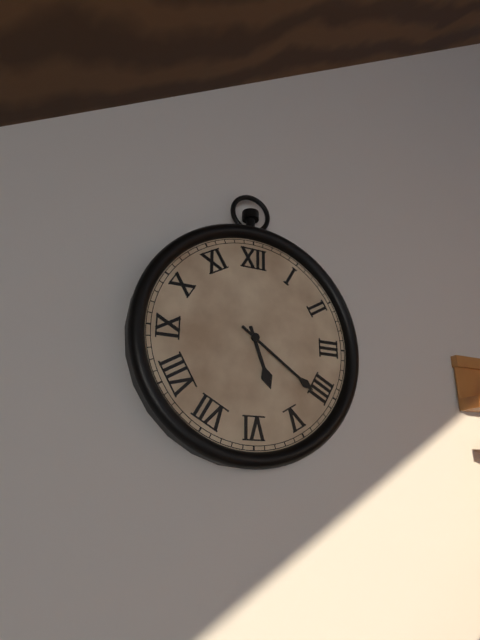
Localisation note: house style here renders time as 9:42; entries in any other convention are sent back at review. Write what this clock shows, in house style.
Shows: 5:21
